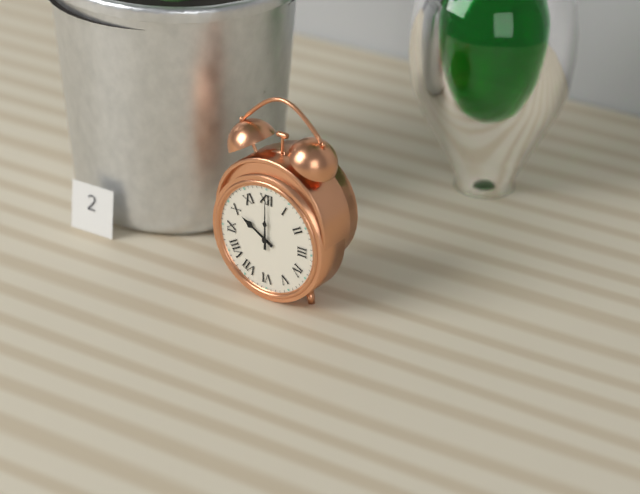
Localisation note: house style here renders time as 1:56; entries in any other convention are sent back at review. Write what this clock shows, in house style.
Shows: 10:00
